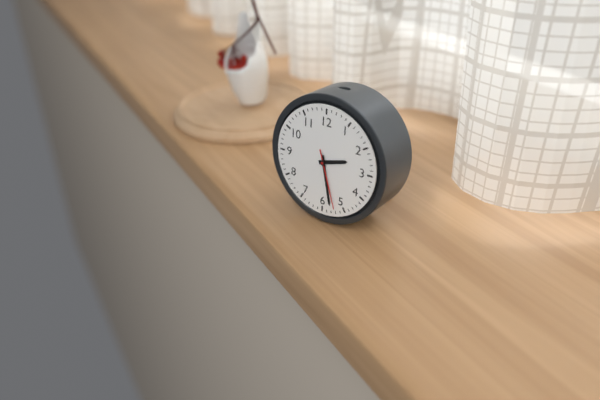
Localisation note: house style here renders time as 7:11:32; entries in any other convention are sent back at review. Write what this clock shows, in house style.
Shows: 2:28:27
